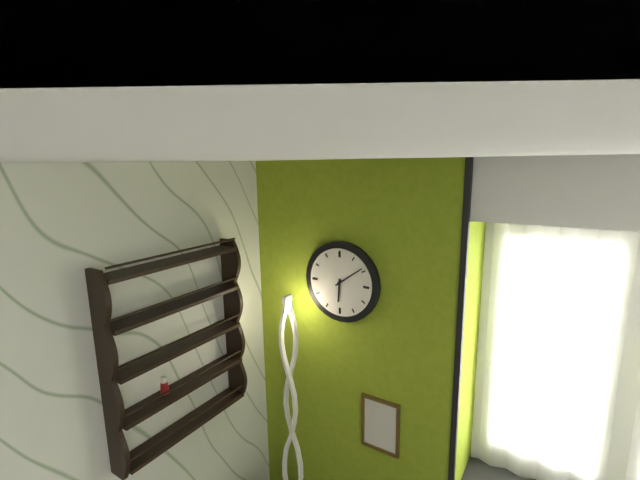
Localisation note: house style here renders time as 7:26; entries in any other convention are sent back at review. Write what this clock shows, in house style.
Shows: 6:09
